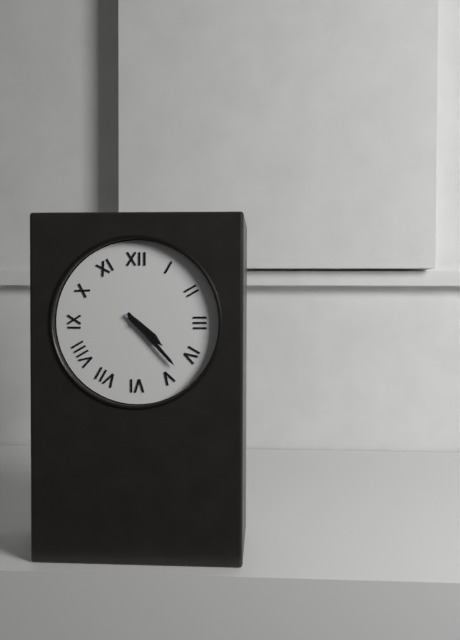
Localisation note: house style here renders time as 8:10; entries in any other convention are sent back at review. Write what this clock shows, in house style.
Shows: 4:23
